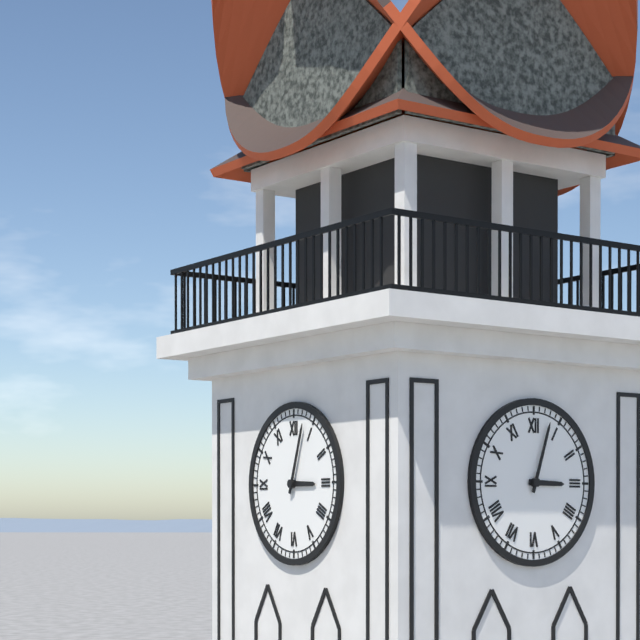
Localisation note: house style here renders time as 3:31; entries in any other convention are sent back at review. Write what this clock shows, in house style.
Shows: 3:03
